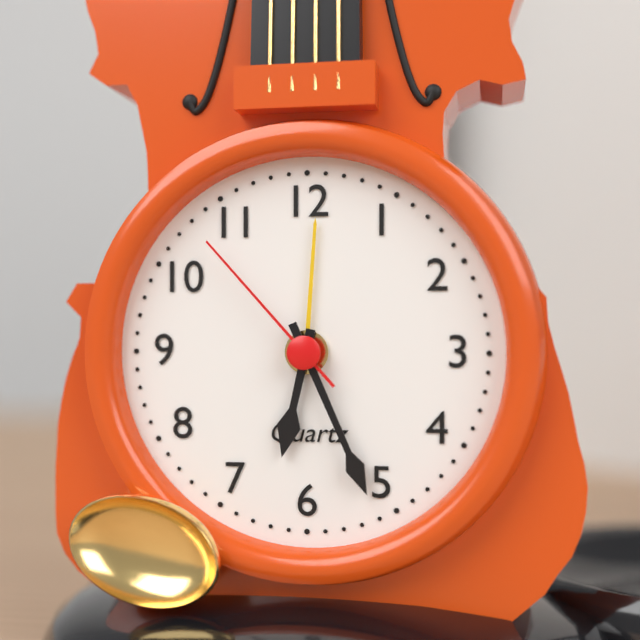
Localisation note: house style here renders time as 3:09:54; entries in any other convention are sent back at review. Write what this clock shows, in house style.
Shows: 6:26:53
